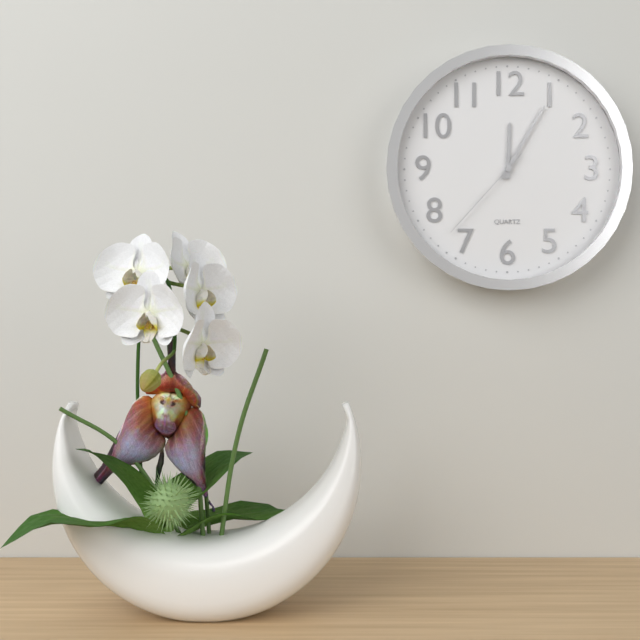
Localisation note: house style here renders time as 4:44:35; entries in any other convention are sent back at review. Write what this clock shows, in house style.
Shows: 12:05:37
